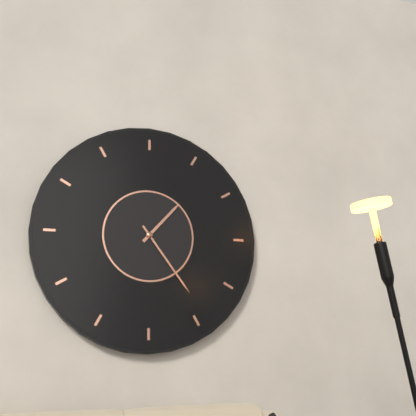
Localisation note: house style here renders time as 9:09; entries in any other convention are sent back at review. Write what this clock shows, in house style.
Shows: 1:24
